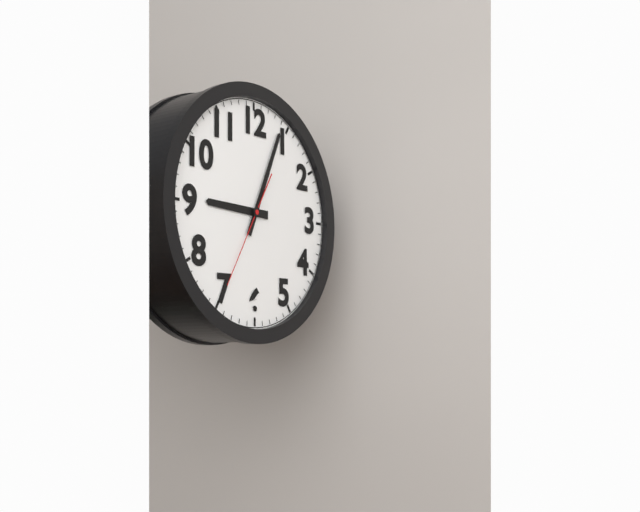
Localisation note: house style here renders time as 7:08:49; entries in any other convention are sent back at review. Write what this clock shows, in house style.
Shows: 9:04:35
